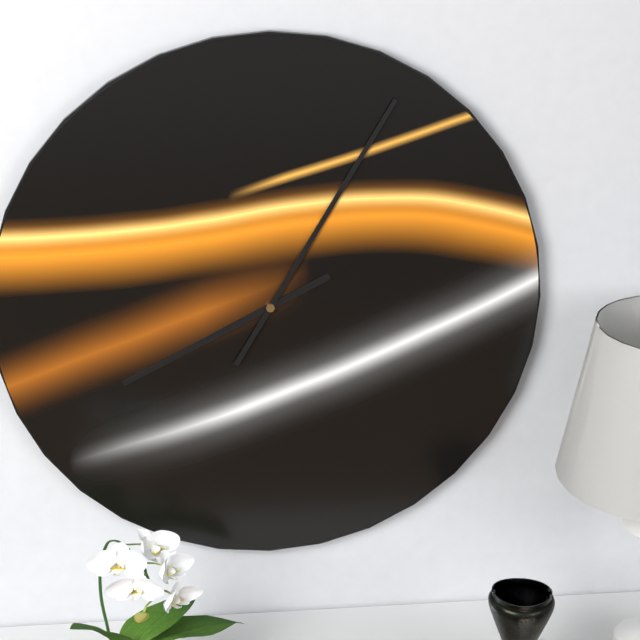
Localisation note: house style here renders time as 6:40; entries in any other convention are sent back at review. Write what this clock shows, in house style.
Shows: 8:05
